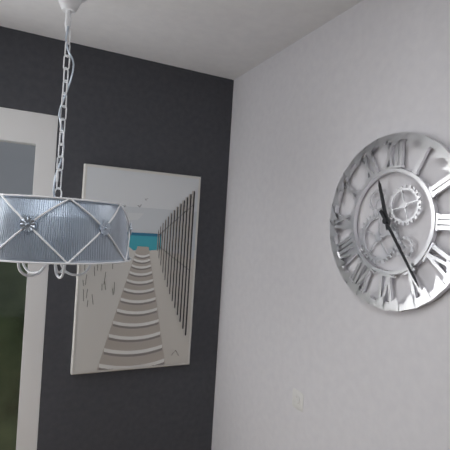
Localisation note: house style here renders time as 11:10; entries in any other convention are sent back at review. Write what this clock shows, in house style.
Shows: 11:24
